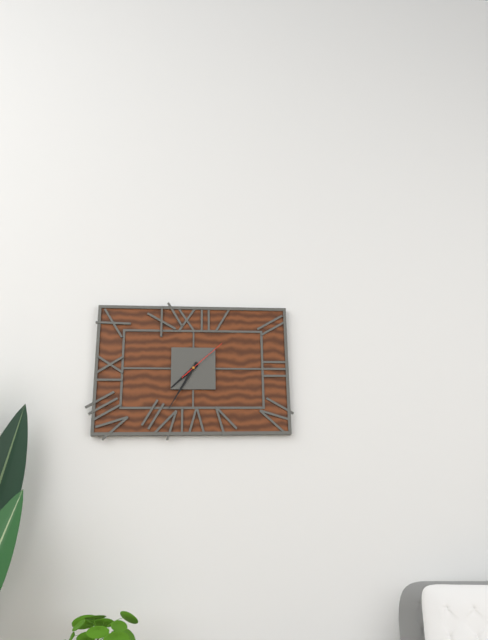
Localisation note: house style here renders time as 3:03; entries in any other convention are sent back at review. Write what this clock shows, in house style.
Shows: 7:35
